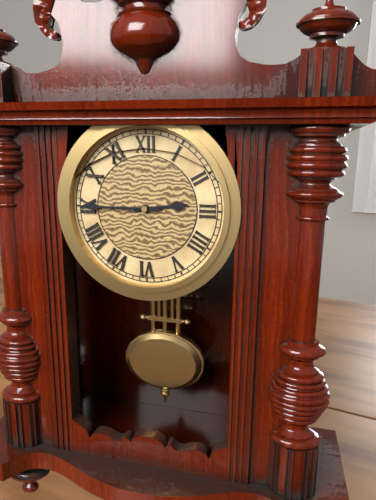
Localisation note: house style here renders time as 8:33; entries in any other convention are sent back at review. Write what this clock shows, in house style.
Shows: 2:45
